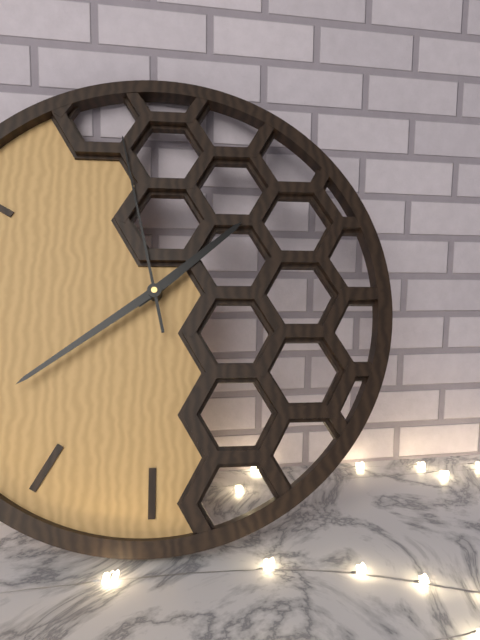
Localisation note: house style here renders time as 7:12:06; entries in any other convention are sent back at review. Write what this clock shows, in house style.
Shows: 1:39:58
